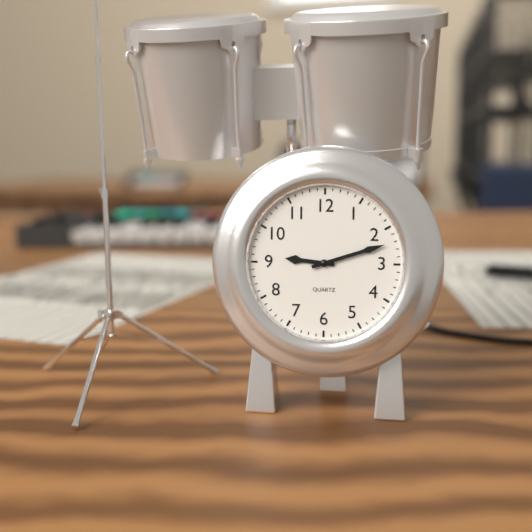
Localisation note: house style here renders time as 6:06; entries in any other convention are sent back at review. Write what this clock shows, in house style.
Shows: 9:12
